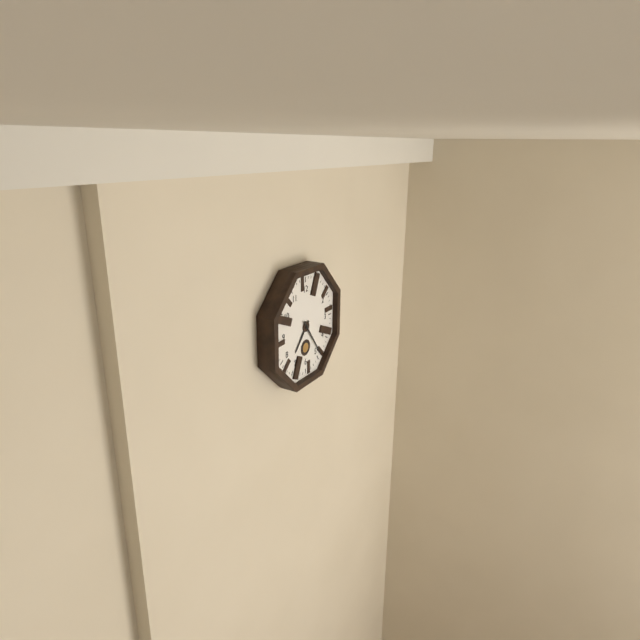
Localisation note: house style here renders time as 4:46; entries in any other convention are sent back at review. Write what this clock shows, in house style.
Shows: 7:24
